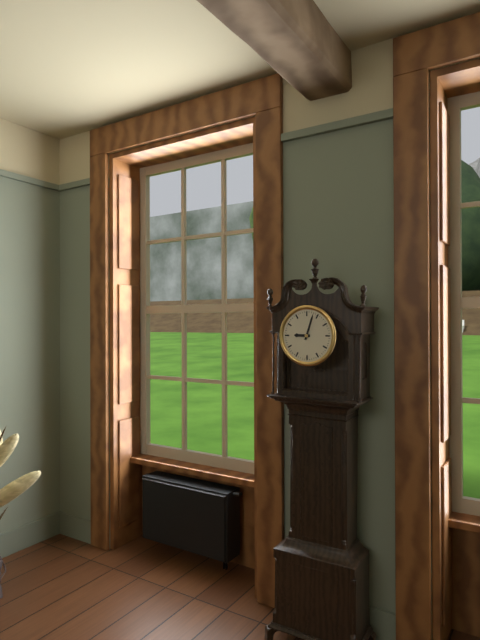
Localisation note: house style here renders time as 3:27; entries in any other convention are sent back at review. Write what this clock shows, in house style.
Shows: 9:03
